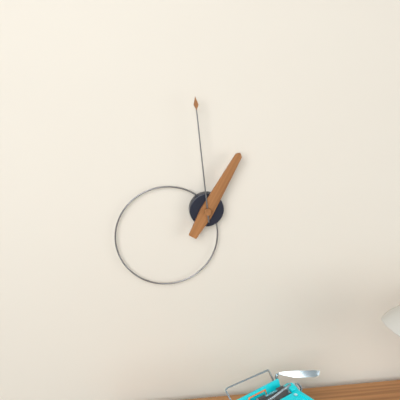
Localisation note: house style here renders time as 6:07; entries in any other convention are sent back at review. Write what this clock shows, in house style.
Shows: 12:59
